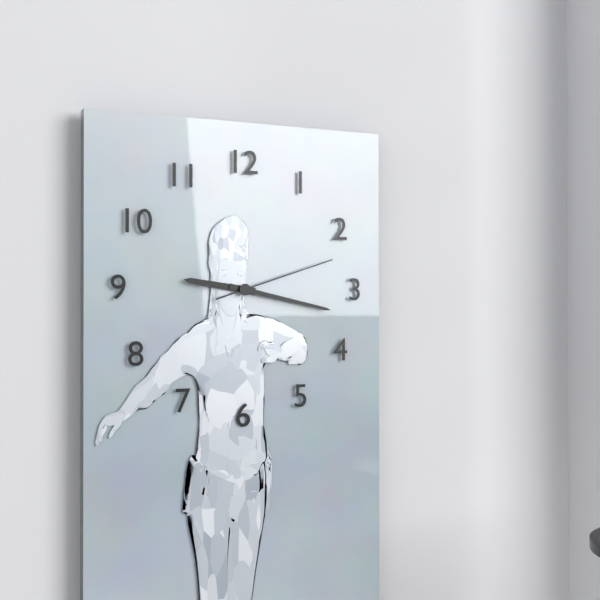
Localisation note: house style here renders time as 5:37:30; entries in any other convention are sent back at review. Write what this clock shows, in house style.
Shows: 9:17:12
